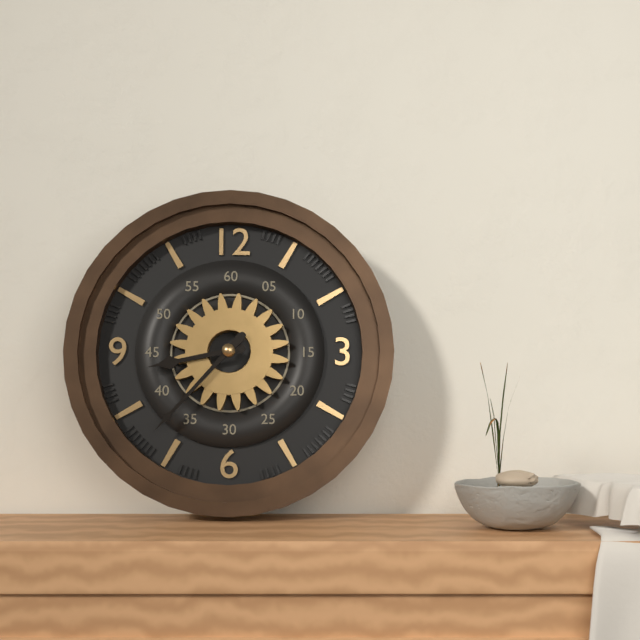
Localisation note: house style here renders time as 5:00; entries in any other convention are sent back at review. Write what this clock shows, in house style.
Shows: 8:37
